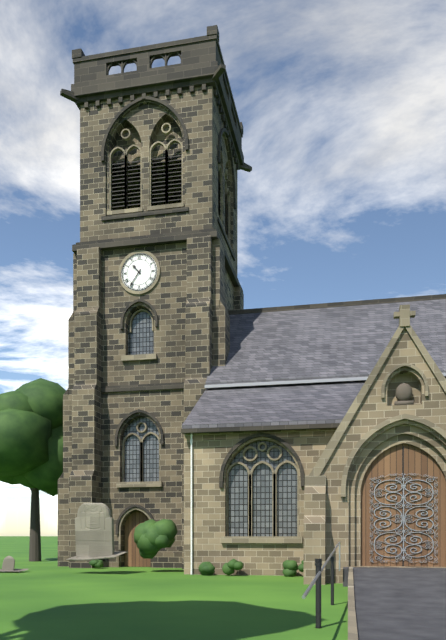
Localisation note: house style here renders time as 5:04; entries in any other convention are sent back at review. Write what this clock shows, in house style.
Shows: 10:36
